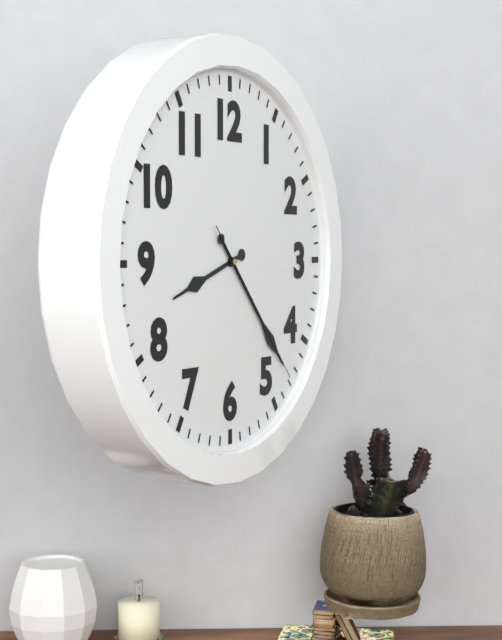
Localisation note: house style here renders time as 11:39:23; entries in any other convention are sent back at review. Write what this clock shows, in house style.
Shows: 8:23:23
